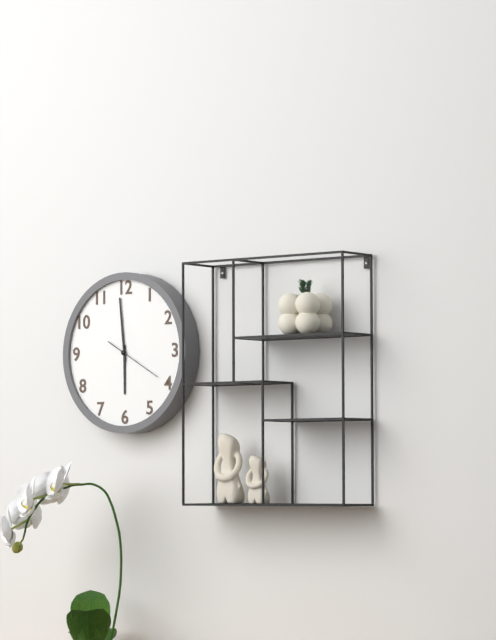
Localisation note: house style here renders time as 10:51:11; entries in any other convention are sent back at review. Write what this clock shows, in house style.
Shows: 5:59:20
